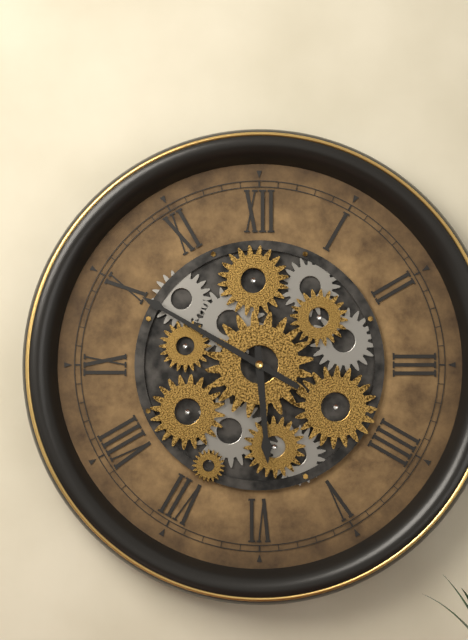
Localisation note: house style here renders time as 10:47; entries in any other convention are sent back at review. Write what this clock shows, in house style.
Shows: 5:50
